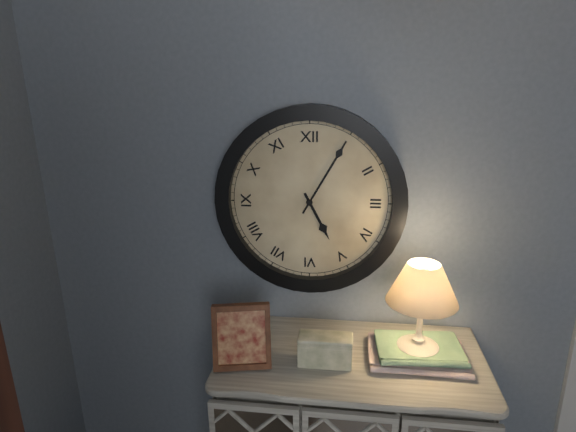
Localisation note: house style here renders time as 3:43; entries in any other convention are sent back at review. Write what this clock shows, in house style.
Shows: 5:05
